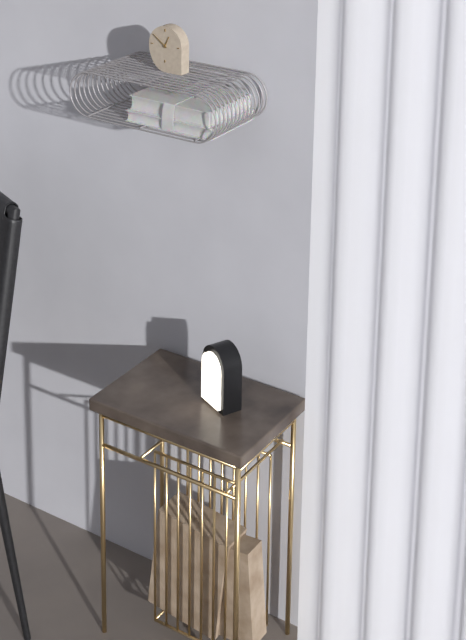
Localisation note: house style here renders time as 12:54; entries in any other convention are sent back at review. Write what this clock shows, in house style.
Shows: 12:51
